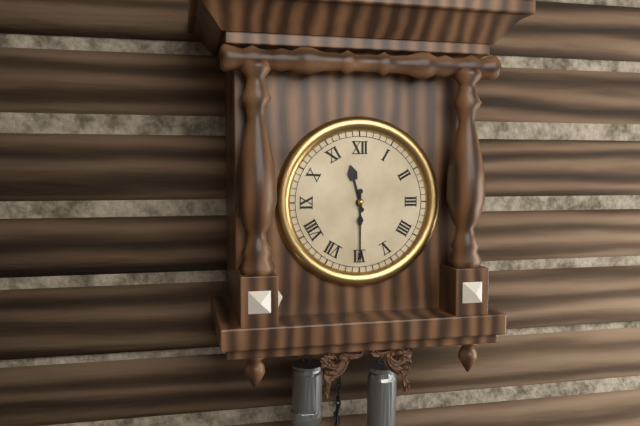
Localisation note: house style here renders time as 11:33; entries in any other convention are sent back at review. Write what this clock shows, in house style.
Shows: 11:30
